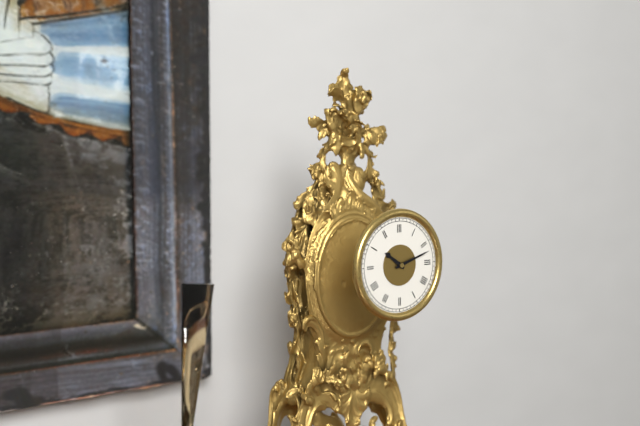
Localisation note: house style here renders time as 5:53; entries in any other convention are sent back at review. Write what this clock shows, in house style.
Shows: 10:12
